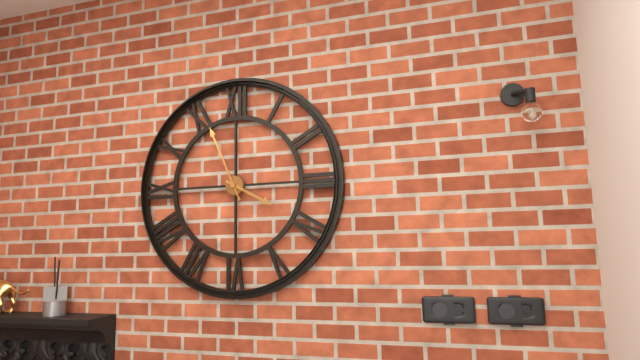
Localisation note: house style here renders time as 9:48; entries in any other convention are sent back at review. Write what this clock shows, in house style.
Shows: 3:56
